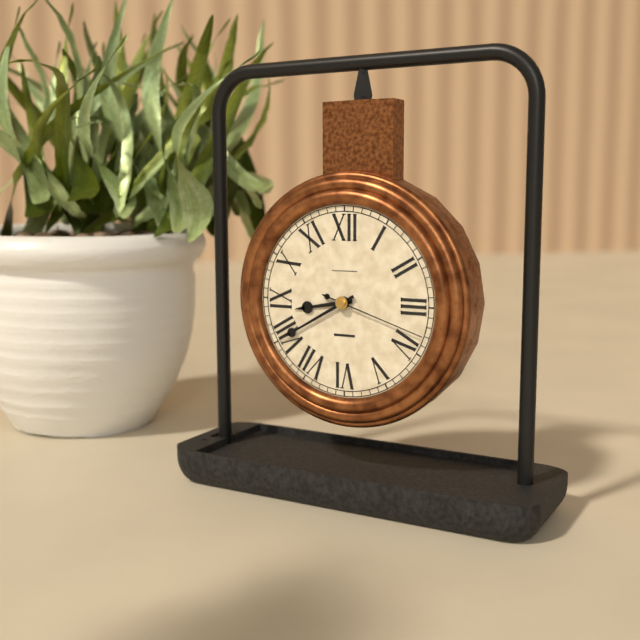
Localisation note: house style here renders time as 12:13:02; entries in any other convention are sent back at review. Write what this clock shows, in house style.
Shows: 8:40:18
